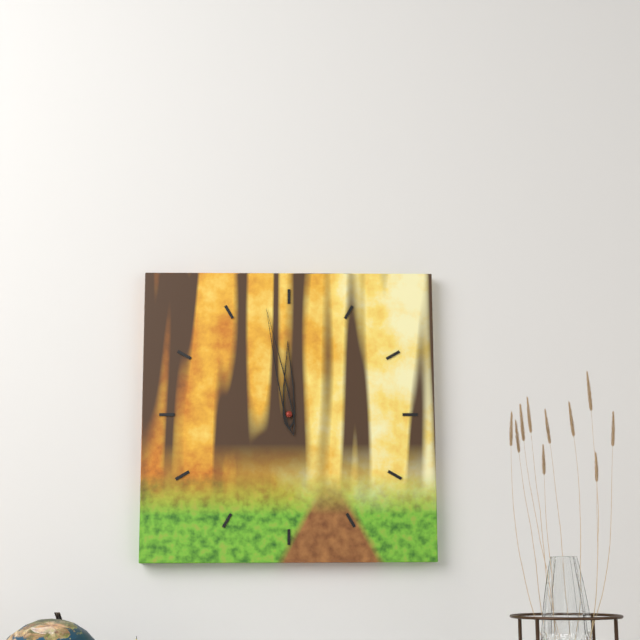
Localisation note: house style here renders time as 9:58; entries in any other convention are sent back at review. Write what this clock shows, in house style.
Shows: 11:58
